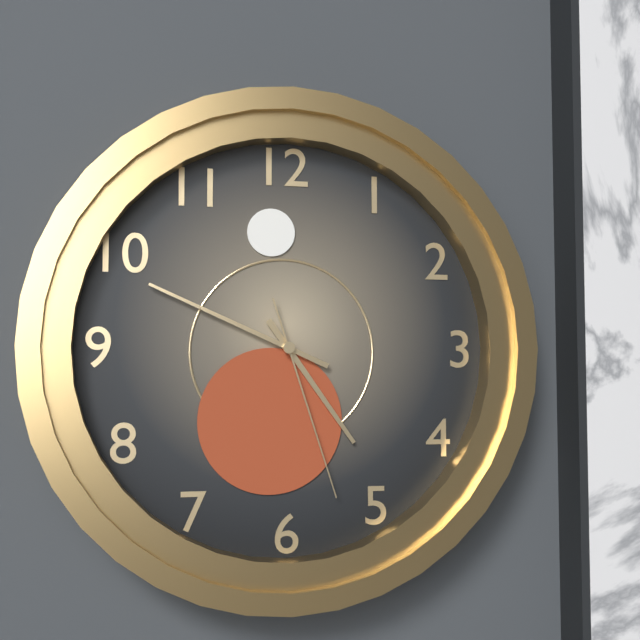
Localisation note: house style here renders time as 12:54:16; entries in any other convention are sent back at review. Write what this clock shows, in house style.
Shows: 4:49:27
